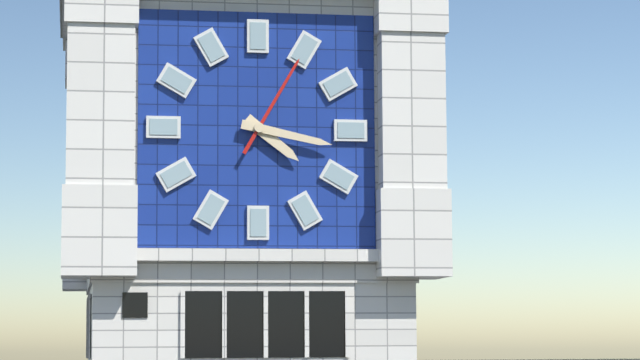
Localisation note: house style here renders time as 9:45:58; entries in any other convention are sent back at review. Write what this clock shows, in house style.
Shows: 4:17:05
